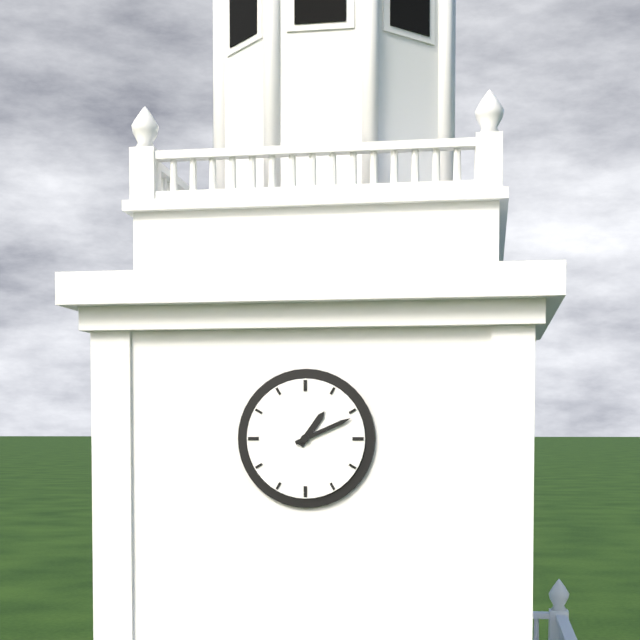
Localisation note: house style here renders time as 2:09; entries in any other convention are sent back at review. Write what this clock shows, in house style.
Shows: 1:11
